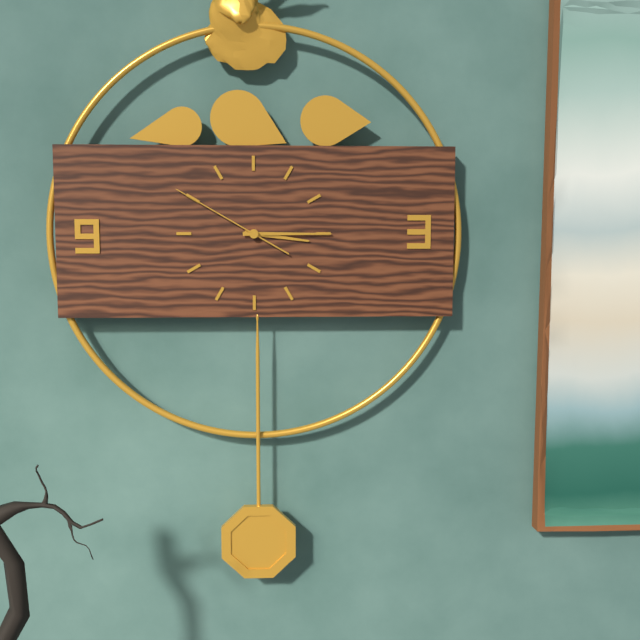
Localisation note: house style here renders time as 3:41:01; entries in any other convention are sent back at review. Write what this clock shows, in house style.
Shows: 3:15:50
